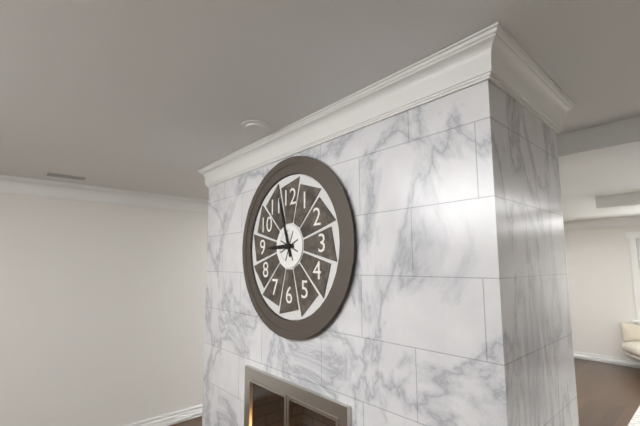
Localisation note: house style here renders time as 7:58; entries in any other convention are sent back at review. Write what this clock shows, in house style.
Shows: 8:57
